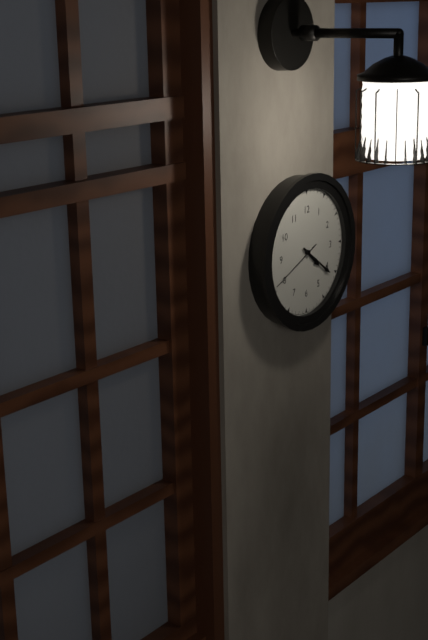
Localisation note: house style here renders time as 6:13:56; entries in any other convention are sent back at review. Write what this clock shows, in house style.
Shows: 4:21:41
